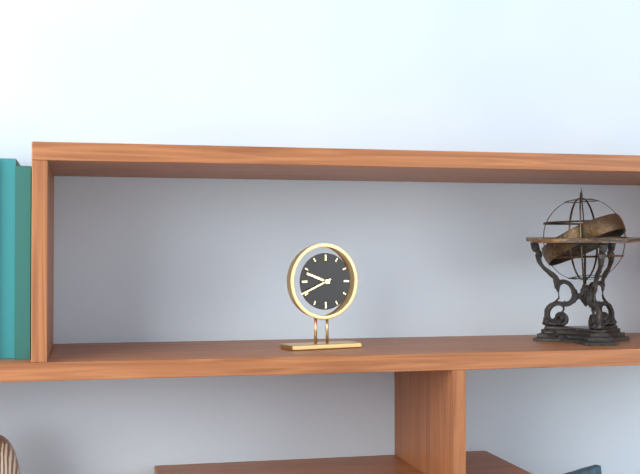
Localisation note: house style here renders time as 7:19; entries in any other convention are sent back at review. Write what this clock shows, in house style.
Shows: 9:41
